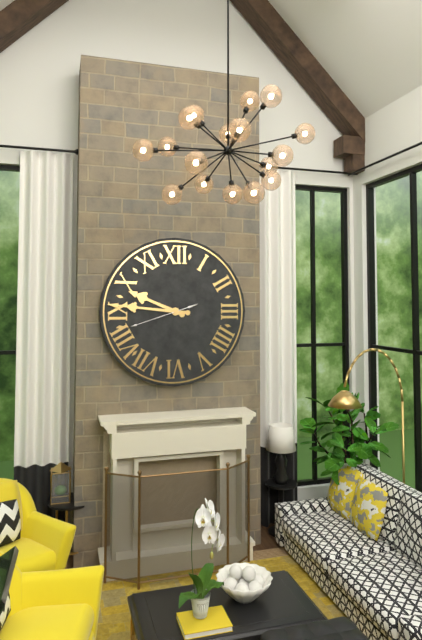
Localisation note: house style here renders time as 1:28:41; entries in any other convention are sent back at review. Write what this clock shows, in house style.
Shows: 9:46:42
